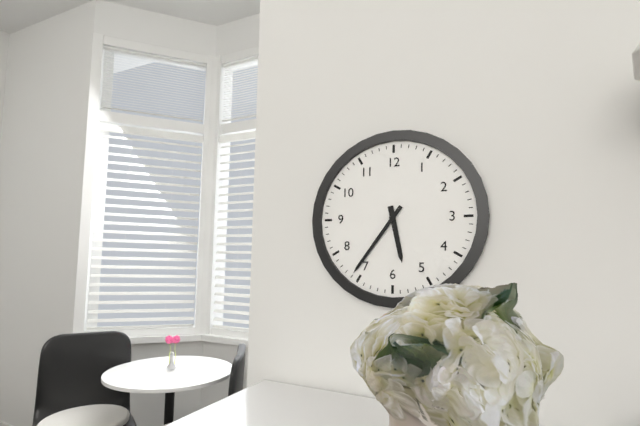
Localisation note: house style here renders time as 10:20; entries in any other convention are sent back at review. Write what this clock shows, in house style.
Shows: 5:36
